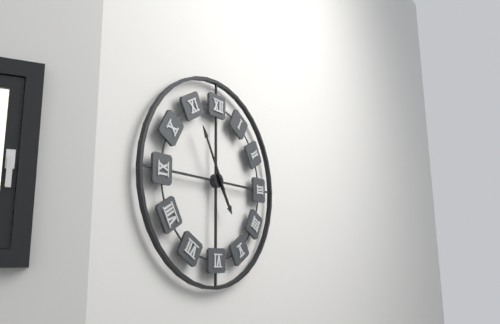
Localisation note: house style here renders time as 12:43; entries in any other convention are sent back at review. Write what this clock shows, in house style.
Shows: 4:55
